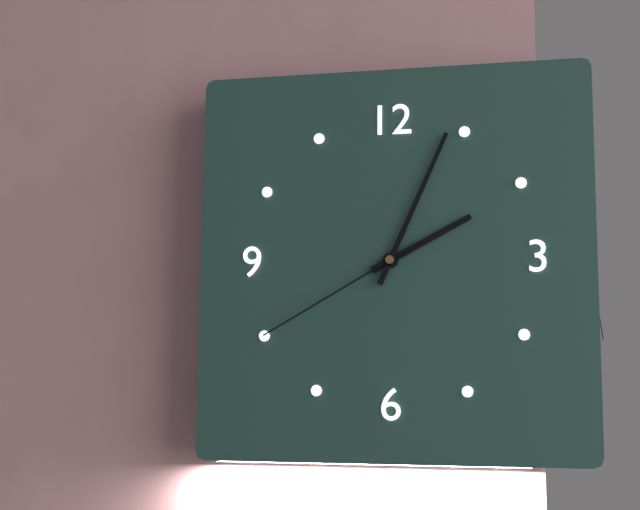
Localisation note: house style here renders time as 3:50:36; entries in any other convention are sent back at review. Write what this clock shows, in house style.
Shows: 2:04:40
